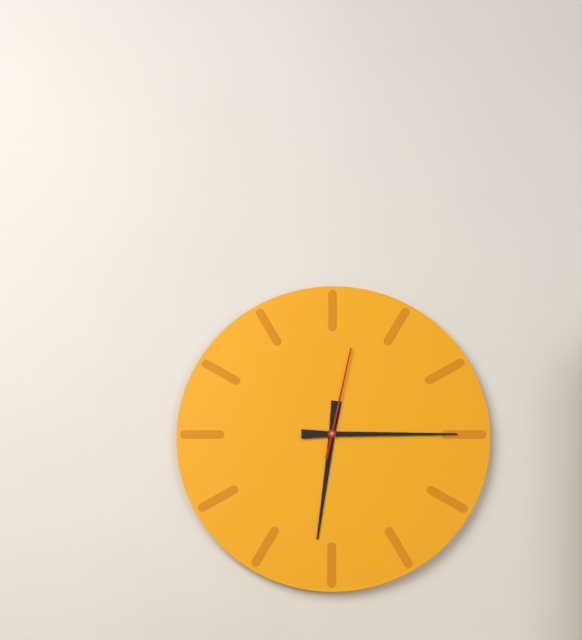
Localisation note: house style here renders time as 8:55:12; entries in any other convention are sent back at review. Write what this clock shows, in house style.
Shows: 6:15:02
